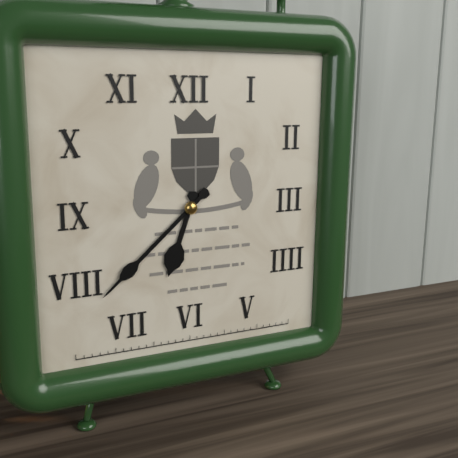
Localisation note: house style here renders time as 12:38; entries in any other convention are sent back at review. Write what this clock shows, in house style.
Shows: 6:38
